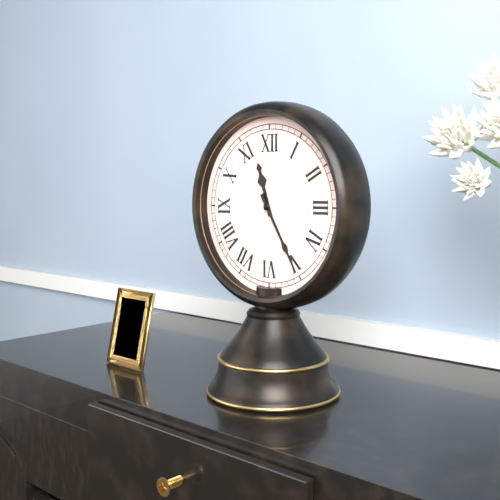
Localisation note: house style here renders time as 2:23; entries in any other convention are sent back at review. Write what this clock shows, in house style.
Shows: 11:25
